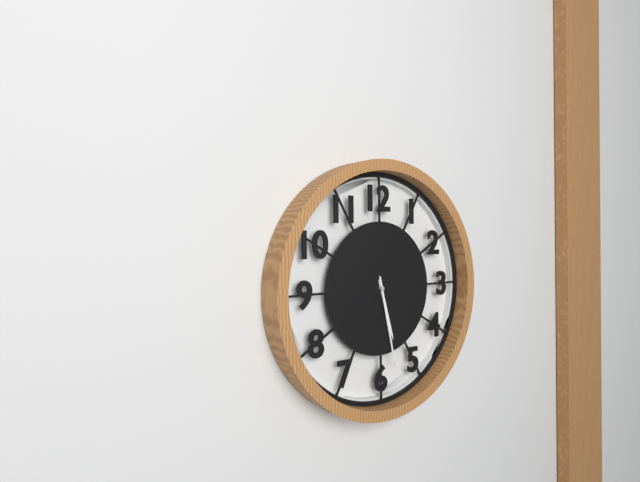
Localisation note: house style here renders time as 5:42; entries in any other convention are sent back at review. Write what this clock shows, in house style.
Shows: 5:28
